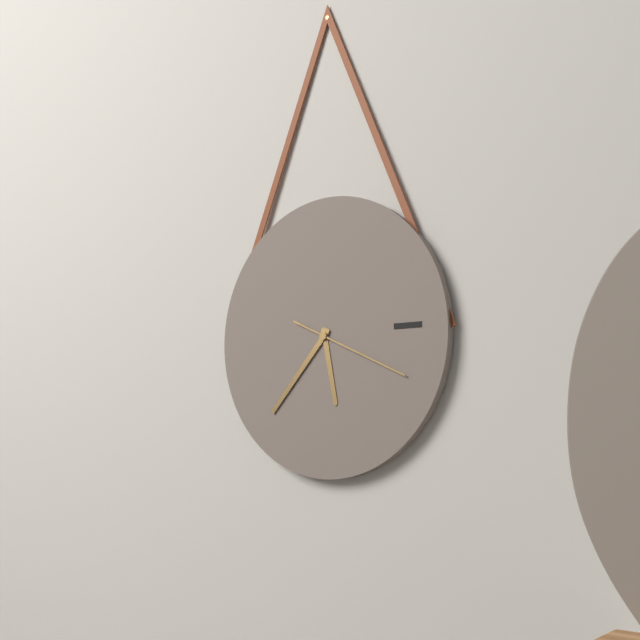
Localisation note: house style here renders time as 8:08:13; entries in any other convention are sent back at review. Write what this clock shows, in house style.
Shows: 5:37:19
